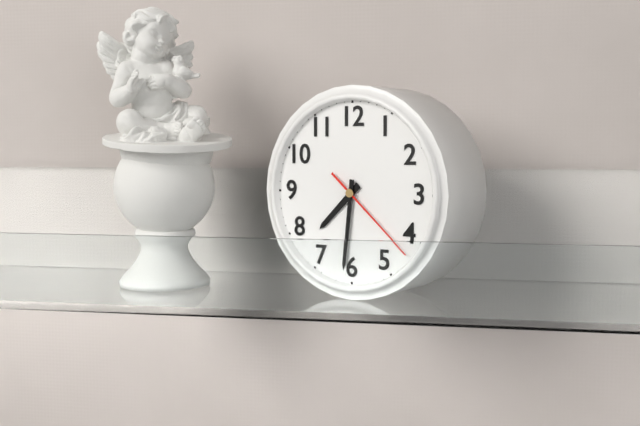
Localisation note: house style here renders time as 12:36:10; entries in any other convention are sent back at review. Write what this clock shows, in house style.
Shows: 7:31:22
